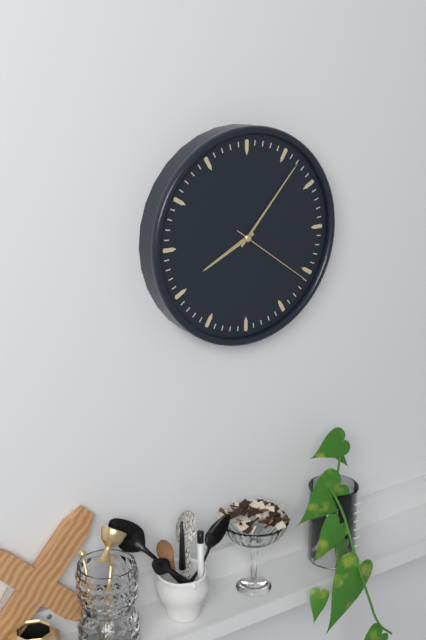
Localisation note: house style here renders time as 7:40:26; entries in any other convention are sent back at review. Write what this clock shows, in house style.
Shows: 8:07:21
